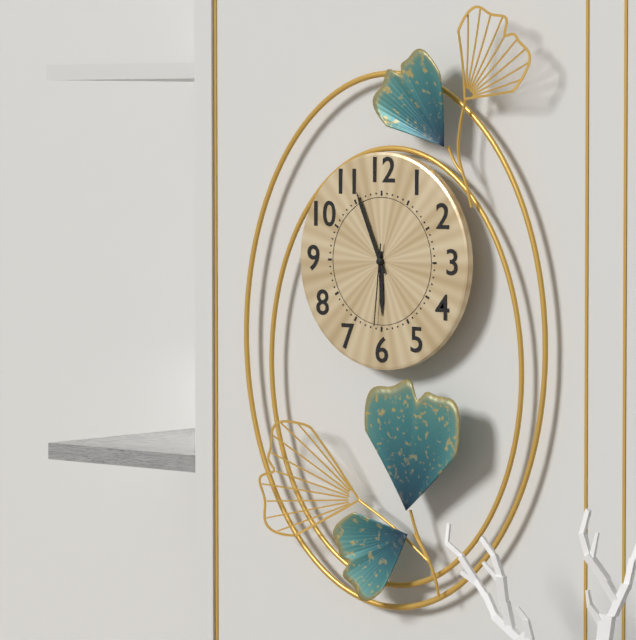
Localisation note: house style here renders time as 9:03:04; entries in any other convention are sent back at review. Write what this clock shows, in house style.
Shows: 5:56:31
